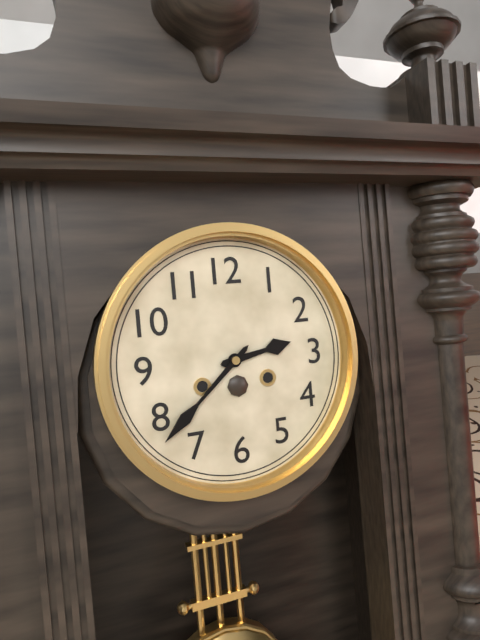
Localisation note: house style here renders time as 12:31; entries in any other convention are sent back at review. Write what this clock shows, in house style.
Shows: 2:38
